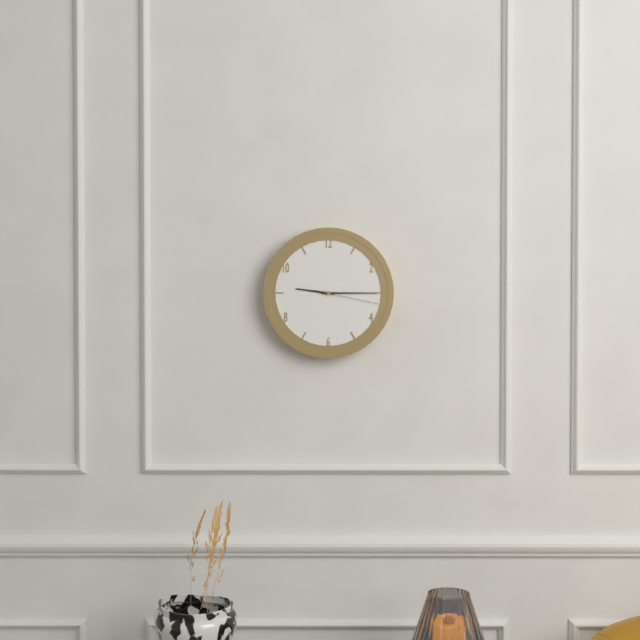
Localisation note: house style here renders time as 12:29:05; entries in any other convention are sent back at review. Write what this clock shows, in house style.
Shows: 9:15:17
